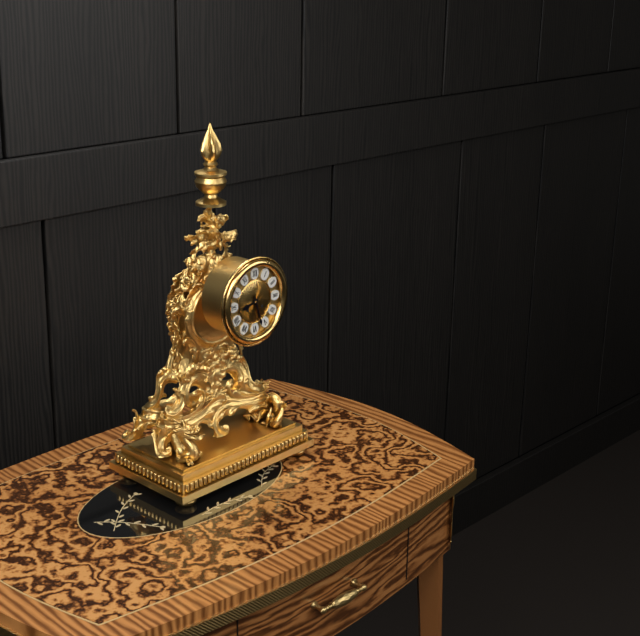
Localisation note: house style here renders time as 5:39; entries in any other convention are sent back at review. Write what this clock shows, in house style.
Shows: 8:27
